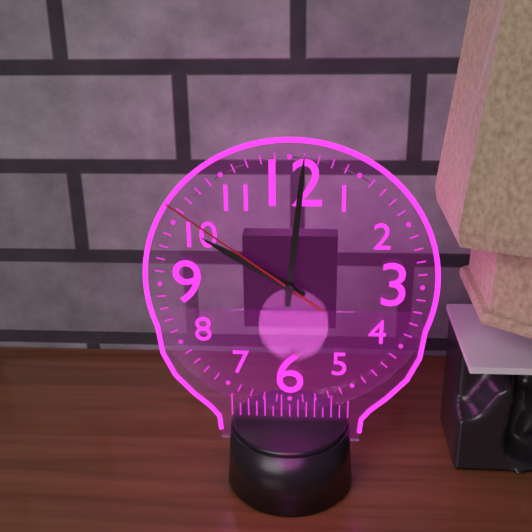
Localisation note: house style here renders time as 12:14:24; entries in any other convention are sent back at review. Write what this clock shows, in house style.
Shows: 10:01:51
